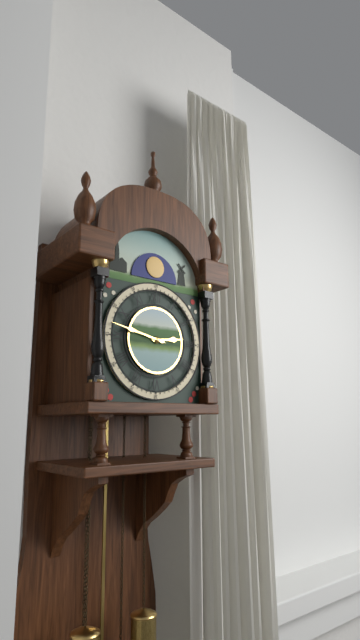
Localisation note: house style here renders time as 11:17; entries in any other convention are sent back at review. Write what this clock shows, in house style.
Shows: 2:47
